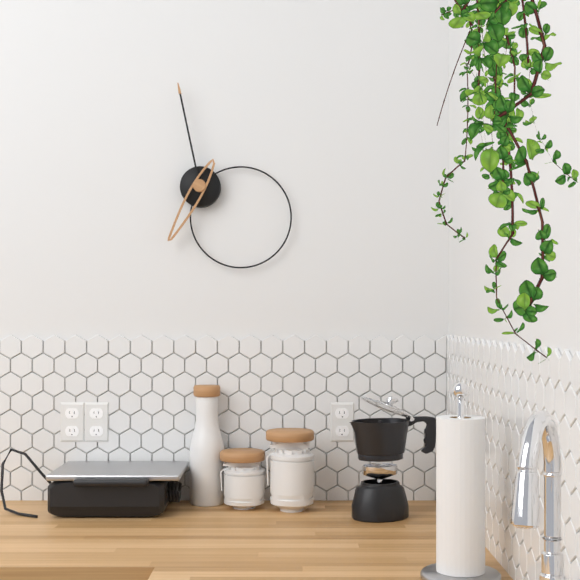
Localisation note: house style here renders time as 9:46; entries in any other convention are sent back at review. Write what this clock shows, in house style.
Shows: 6:58
